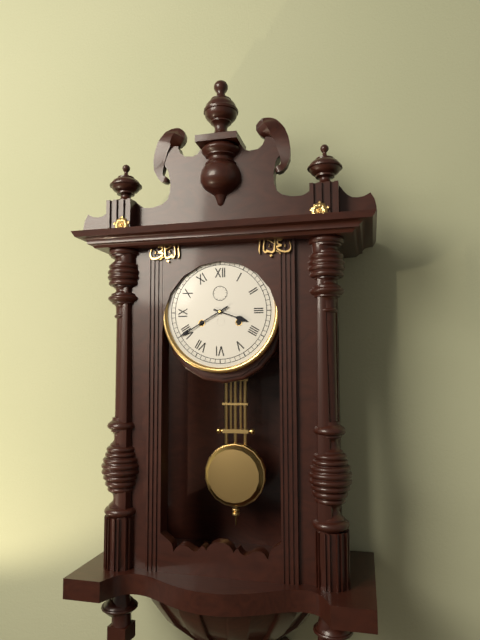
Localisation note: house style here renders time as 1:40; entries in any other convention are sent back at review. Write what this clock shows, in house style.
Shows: 3:40
